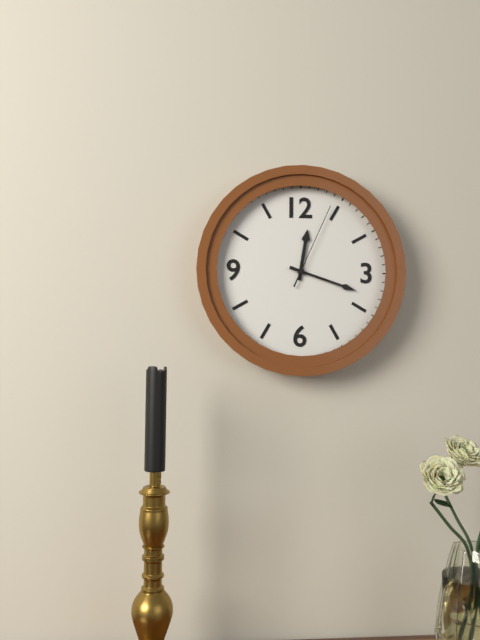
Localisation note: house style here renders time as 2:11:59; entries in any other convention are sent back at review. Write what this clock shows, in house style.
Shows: 12:18:04
